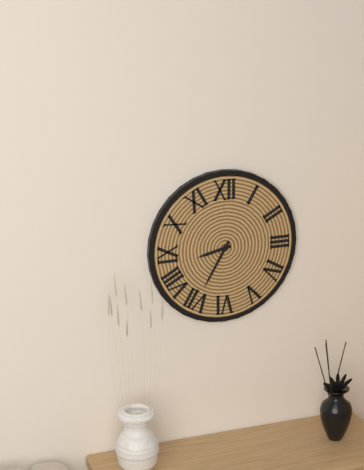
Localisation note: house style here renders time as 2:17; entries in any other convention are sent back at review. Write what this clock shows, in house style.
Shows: 8:35
